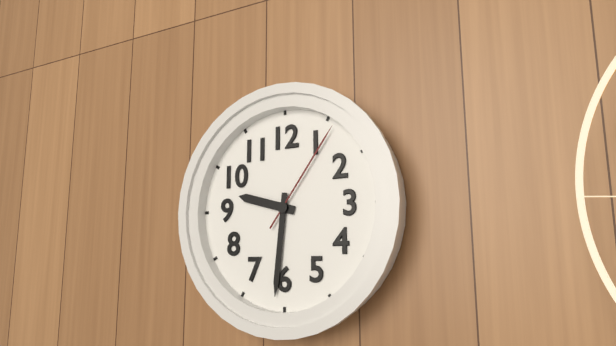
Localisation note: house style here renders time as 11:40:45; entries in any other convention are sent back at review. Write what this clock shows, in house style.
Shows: 9:31:06
